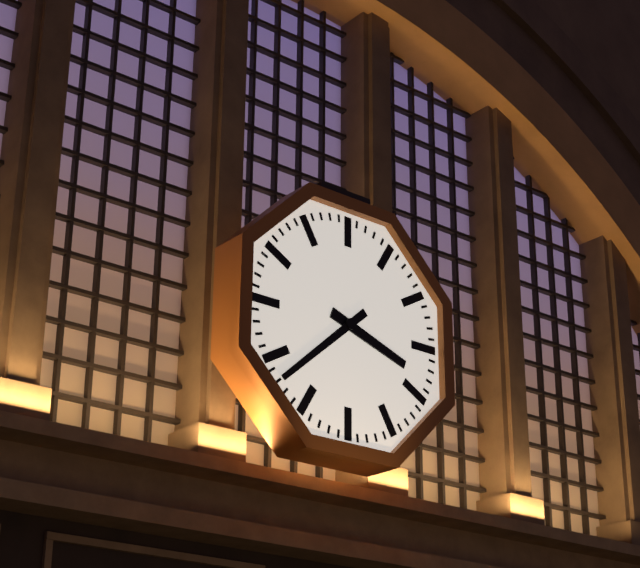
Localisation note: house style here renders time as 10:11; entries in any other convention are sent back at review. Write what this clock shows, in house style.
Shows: 3:38
